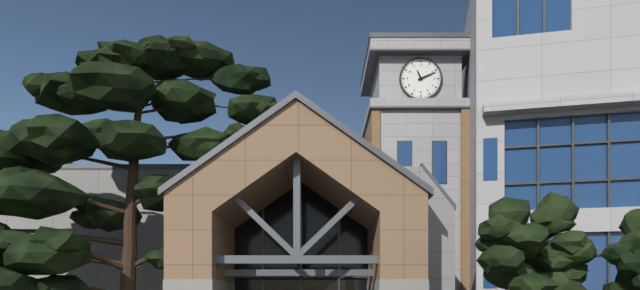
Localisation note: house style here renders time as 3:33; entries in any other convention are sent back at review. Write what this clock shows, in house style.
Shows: 11:11
